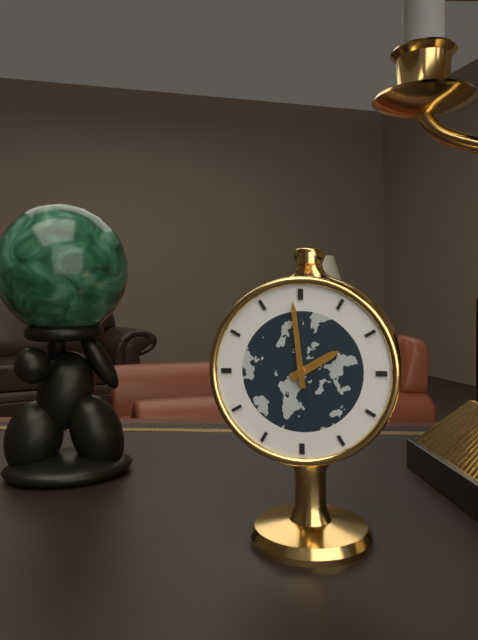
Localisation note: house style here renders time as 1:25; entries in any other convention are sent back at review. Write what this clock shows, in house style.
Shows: 1:59
